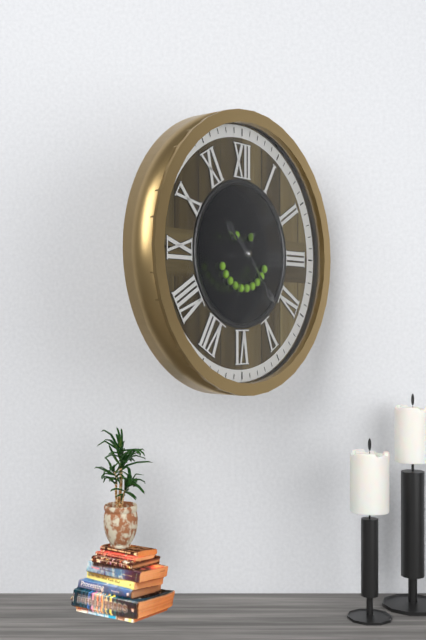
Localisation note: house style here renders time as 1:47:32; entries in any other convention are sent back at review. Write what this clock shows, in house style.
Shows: 10:23:34
